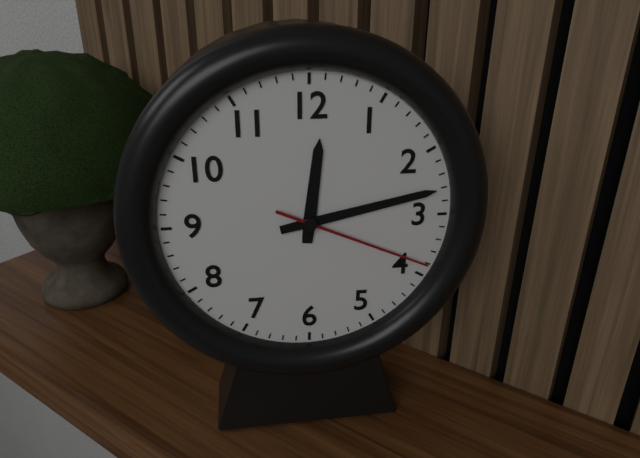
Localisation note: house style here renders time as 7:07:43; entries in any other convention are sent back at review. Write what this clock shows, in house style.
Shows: 12:13:19
